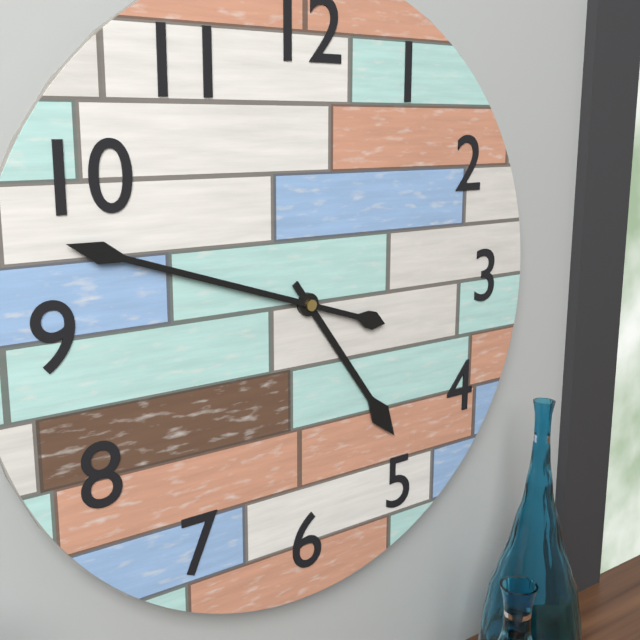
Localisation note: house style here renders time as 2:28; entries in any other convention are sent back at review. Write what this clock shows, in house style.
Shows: 4:48
